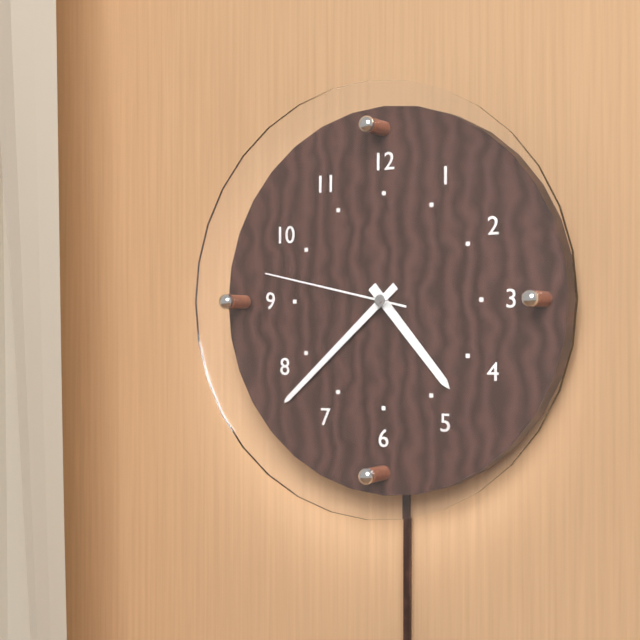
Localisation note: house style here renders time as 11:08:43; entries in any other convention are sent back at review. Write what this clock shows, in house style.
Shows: 4:38:47
